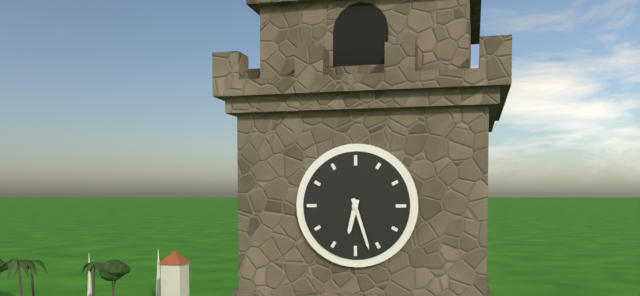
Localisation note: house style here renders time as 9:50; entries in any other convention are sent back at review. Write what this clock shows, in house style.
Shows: 6:27
